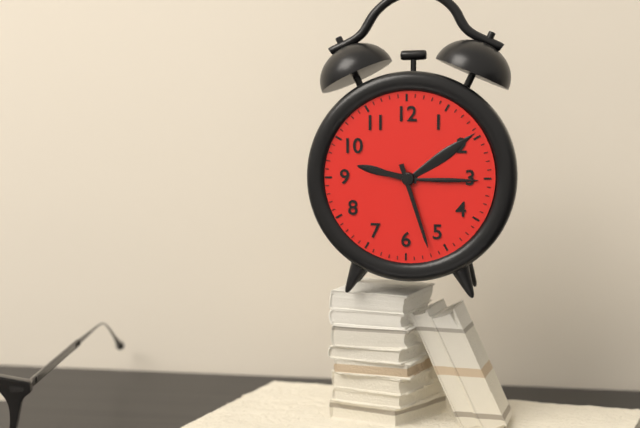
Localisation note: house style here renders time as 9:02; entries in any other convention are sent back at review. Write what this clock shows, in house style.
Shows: 9:27
